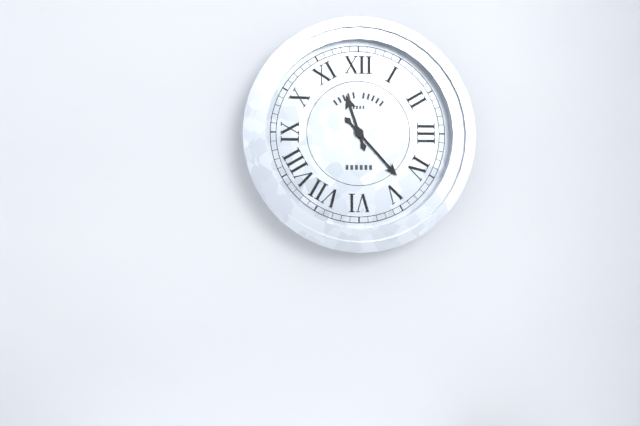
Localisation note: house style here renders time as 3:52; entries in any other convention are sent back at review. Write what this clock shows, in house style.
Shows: 11:23
